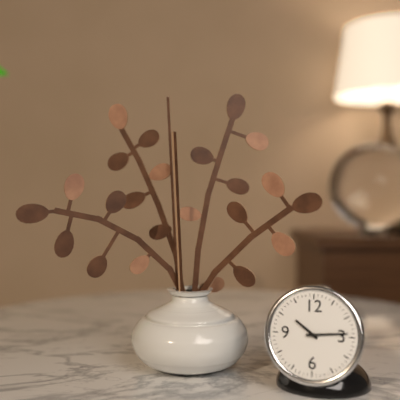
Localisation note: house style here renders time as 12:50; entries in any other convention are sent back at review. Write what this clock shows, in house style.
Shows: 10:14
